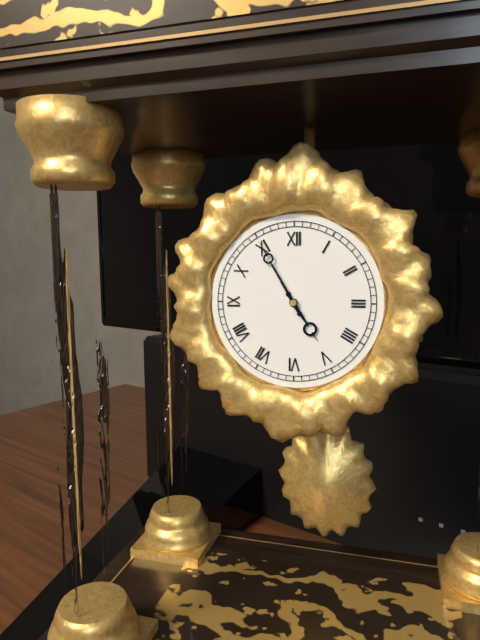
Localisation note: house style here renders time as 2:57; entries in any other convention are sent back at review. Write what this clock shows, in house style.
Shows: 4:55
